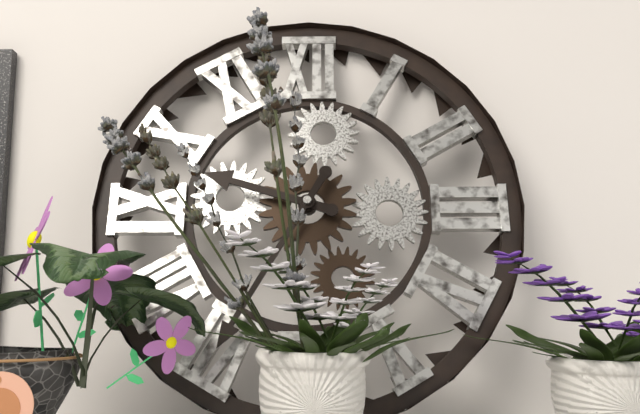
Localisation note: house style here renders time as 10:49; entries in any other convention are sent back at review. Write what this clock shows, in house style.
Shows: 9:35
